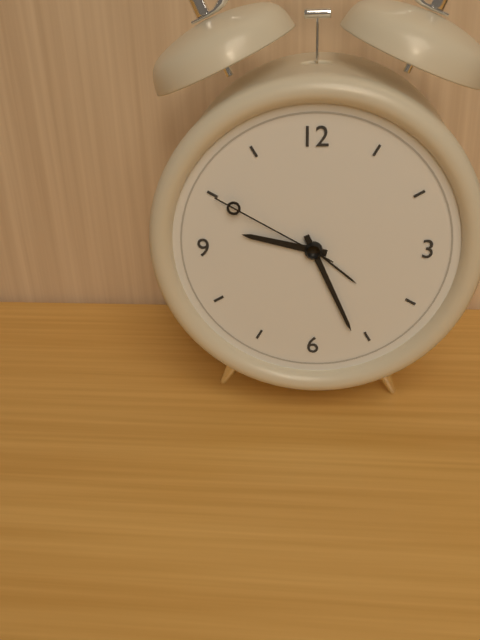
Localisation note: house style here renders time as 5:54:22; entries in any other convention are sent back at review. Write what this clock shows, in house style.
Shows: 9:26:50
